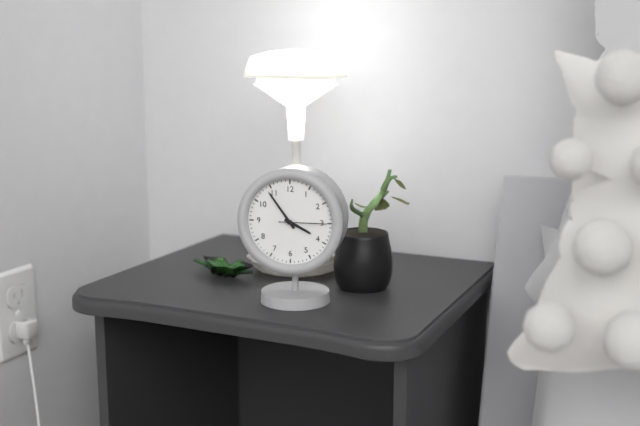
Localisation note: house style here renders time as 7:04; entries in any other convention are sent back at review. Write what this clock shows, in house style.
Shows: 3:54
